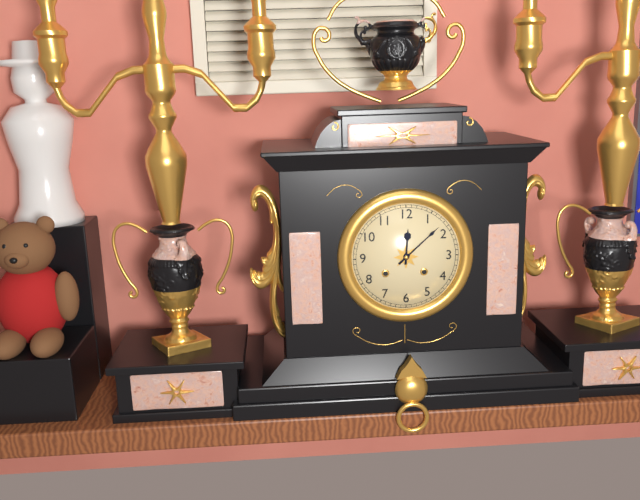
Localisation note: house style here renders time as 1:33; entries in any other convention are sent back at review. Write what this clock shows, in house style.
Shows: 12:08
